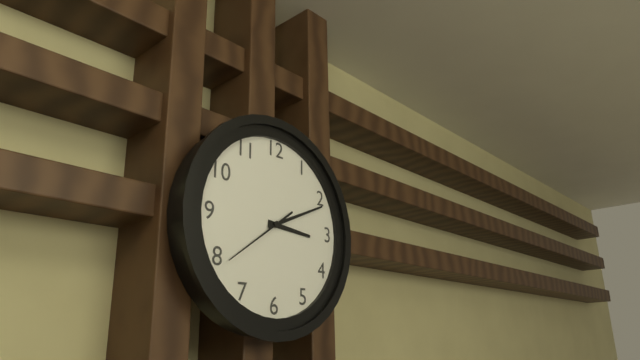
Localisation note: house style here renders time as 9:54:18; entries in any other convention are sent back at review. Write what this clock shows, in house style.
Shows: 3:11:39
